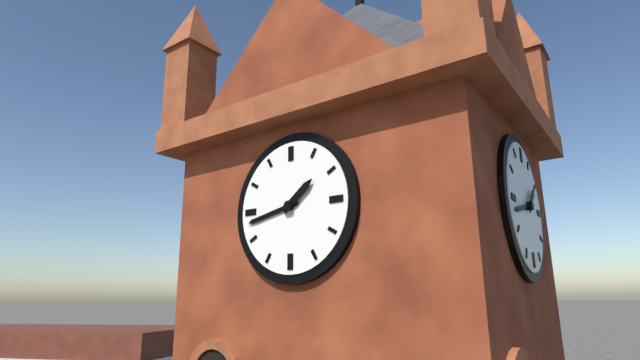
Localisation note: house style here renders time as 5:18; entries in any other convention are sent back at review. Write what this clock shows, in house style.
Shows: 1:43
